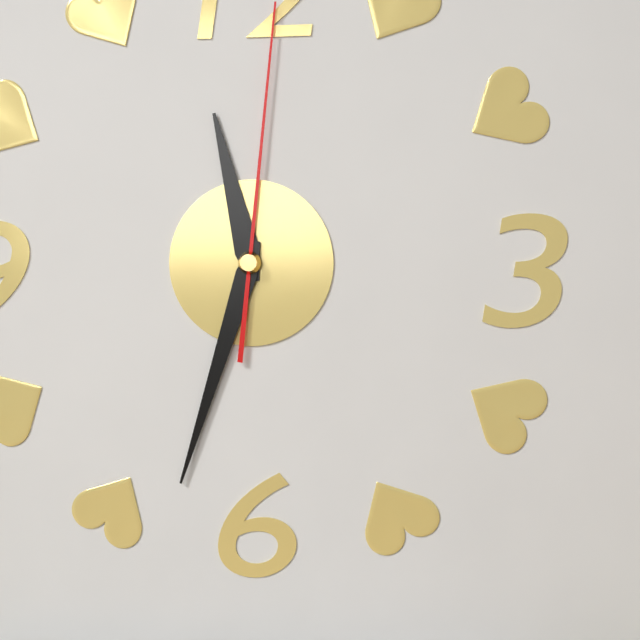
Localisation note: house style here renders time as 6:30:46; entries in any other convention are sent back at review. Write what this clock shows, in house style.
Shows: 11:33:01
